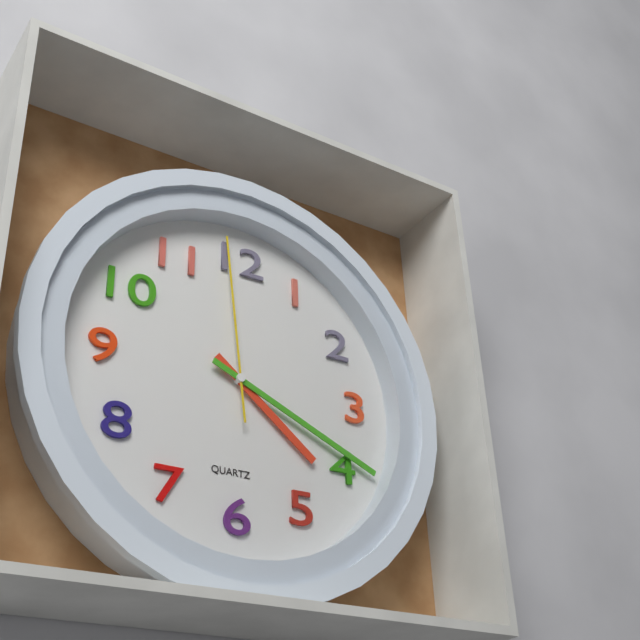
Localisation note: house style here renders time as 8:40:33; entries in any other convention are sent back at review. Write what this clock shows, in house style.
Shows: 4:19:59
